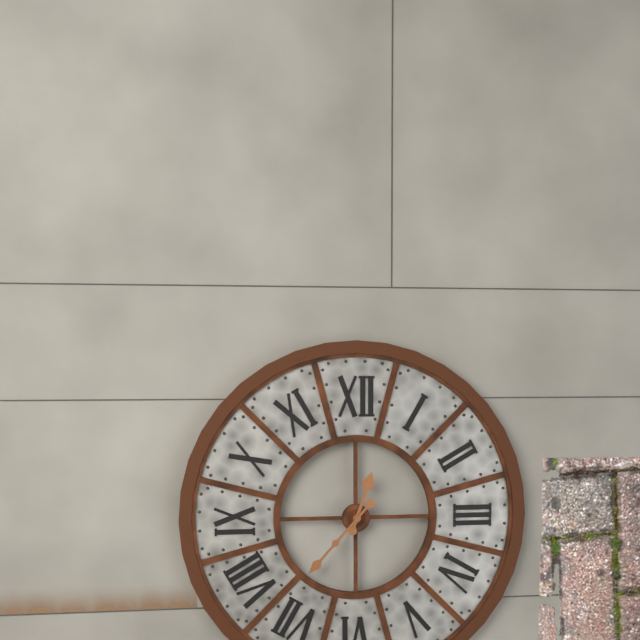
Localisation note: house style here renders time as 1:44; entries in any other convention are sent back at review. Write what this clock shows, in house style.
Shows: 12:37
